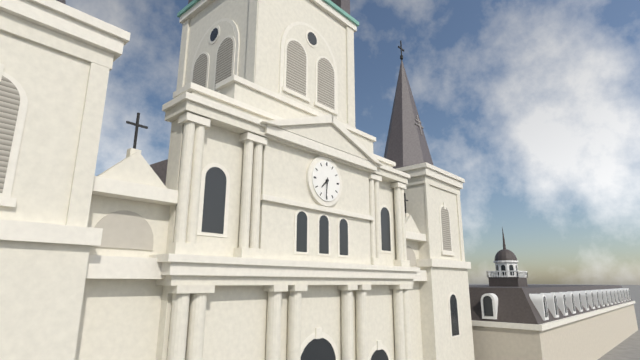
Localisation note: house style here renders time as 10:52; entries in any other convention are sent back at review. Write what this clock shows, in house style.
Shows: 7:31
